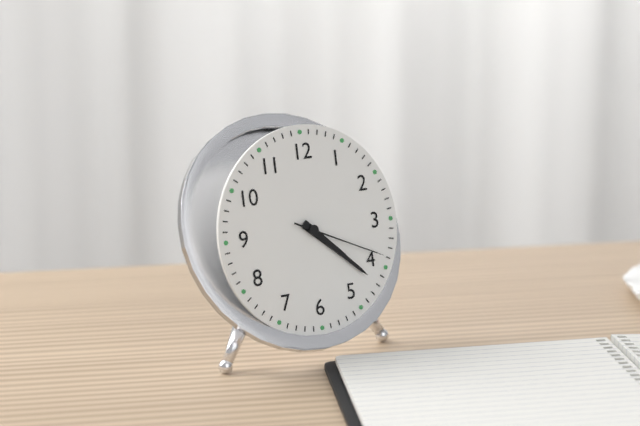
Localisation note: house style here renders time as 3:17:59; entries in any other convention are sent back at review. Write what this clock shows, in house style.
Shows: 4:22:19
